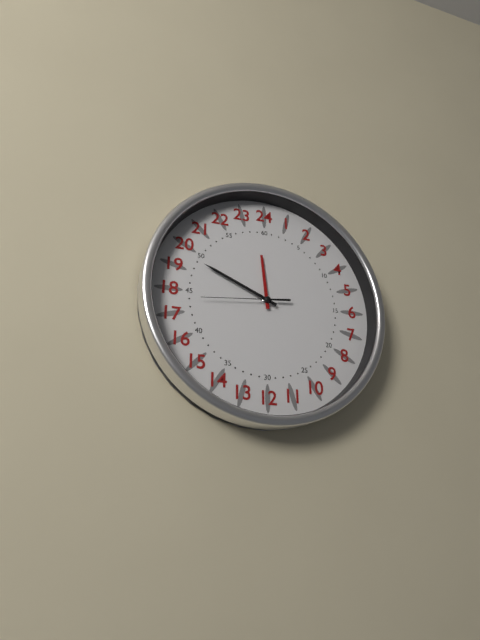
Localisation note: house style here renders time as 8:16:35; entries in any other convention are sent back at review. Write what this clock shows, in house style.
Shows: 11:49:44
